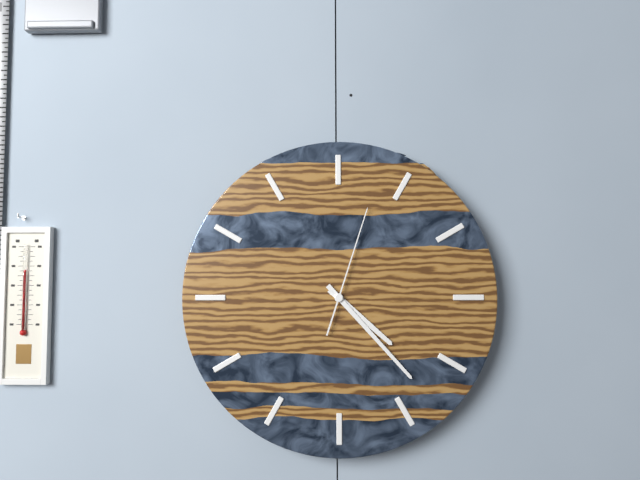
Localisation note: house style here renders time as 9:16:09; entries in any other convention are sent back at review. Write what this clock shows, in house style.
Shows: 4:23:03
